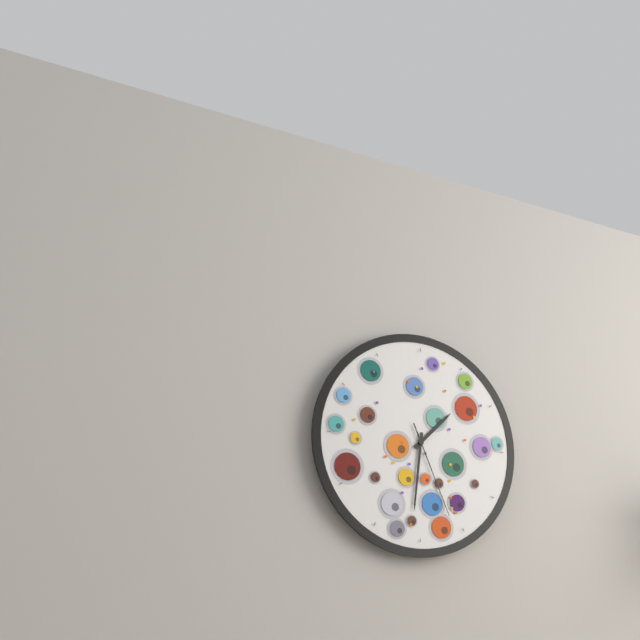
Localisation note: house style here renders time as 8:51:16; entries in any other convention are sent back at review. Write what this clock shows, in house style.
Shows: 1:31:26
